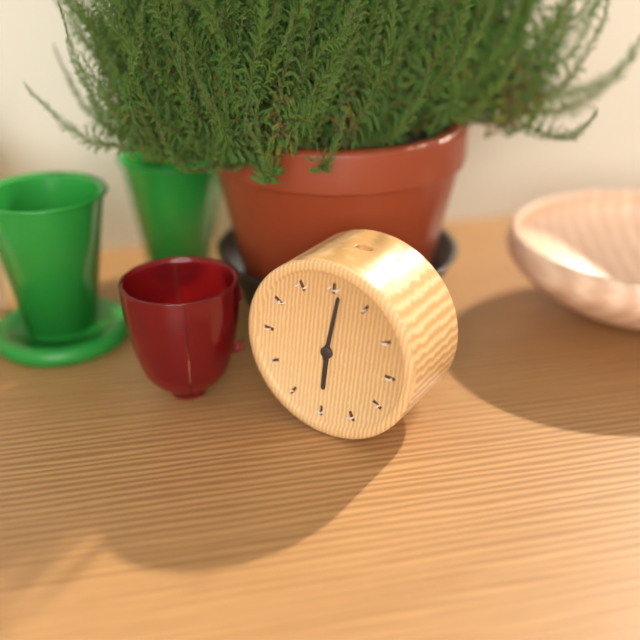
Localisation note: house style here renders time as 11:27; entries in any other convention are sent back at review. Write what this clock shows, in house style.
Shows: 6:01
